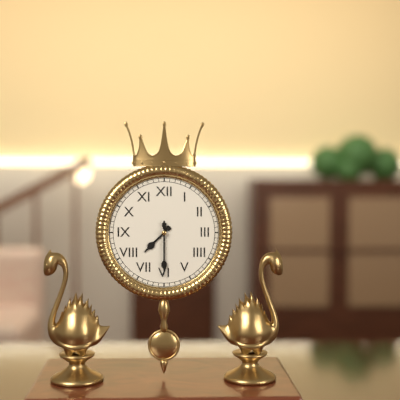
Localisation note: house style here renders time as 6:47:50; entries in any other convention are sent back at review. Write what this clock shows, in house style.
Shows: 7:30:30
